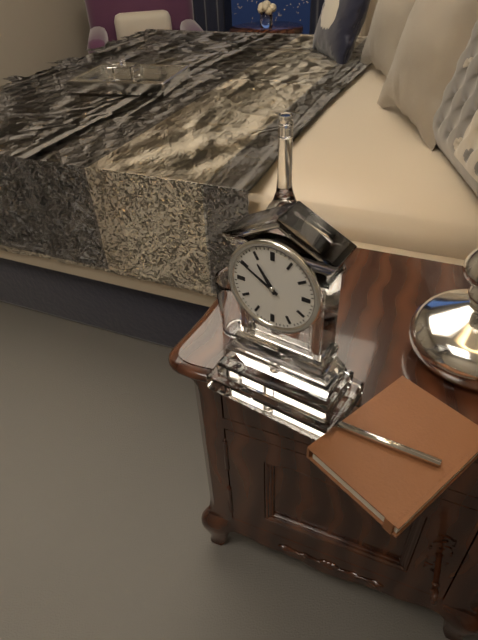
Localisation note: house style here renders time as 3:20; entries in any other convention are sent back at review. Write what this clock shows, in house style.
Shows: 10:50
